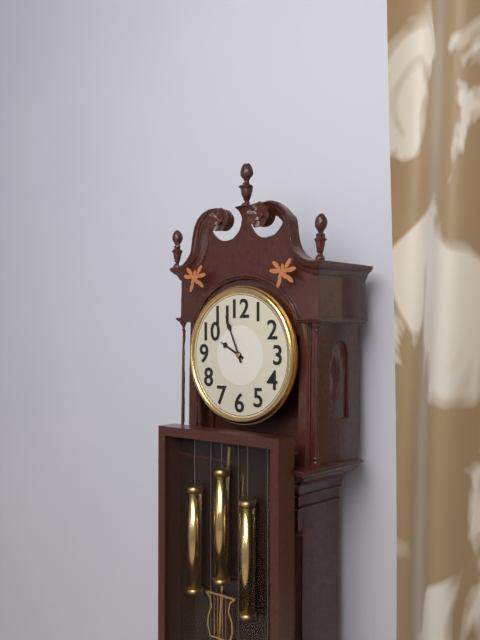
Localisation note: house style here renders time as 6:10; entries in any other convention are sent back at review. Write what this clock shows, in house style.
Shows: 9:56
